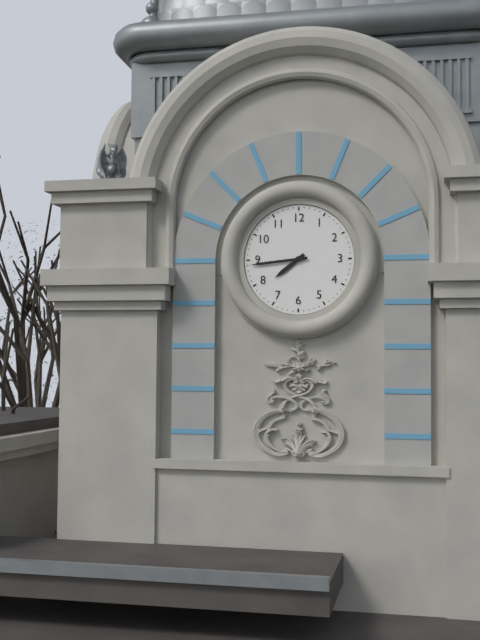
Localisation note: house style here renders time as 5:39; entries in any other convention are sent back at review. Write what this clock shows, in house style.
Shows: 7:44
